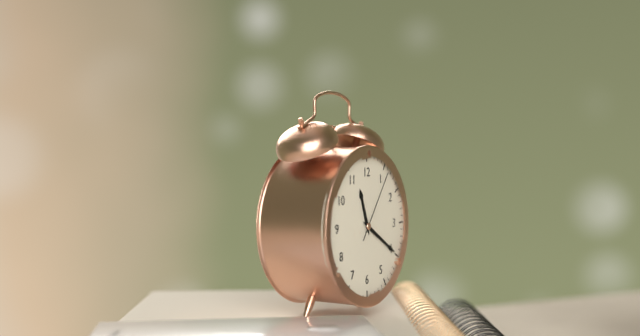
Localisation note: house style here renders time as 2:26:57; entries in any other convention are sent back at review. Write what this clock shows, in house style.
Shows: 11:20:06
